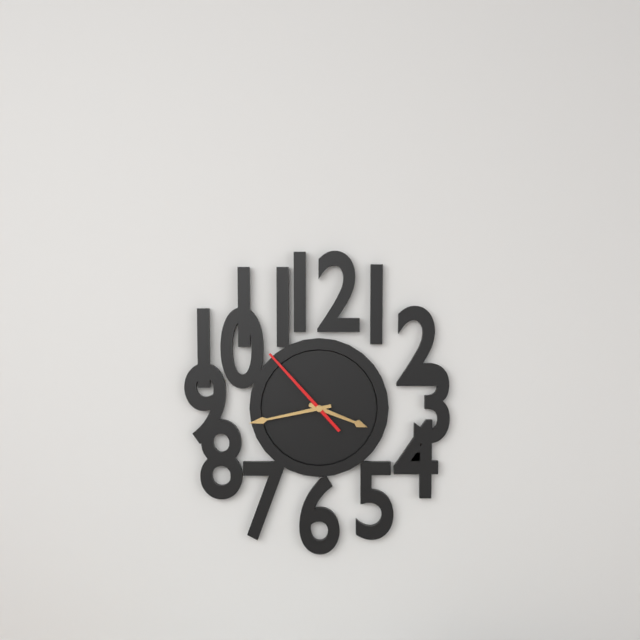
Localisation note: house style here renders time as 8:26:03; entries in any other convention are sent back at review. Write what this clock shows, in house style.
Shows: 3:43:53
